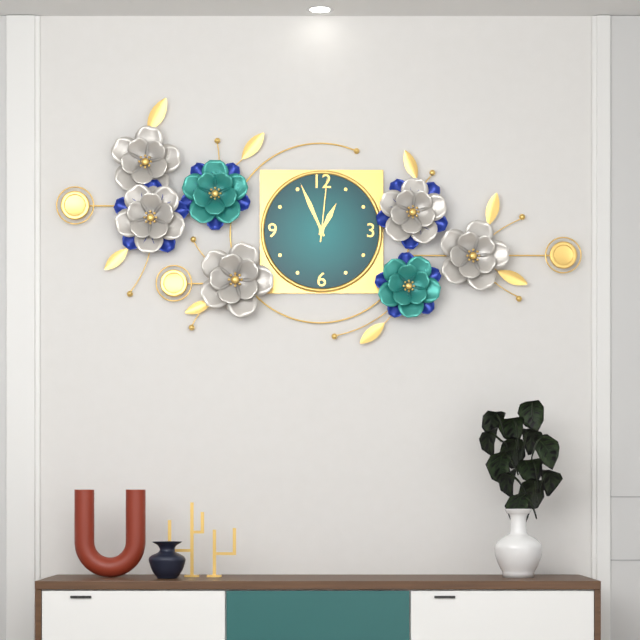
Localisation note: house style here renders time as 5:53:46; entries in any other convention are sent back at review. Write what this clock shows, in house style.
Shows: 12:56:01
